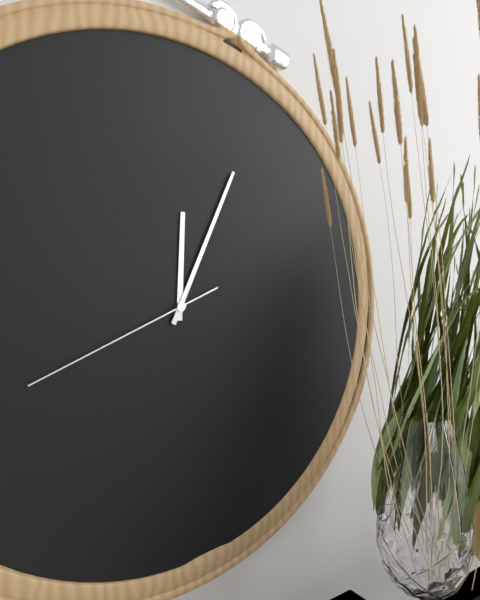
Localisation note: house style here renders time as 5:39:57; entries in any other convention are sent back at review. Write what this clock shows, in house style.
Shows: 12:04:41
